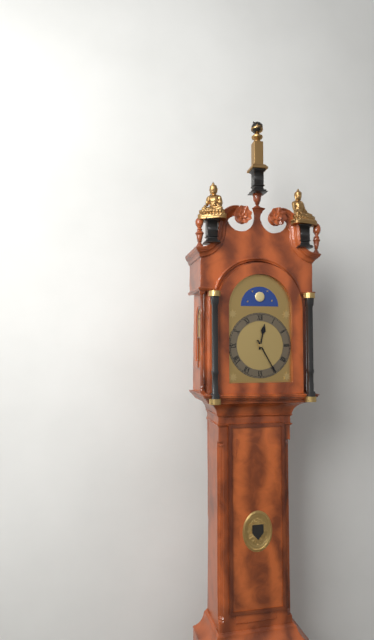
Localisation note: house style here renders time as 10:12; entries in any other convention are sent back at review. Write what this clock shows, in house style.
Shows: 12:25
